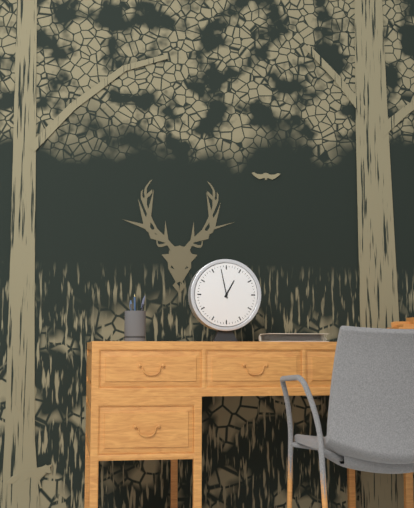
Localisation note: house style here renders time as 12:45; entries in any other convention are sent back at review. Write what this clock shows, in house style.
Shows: 12:58
